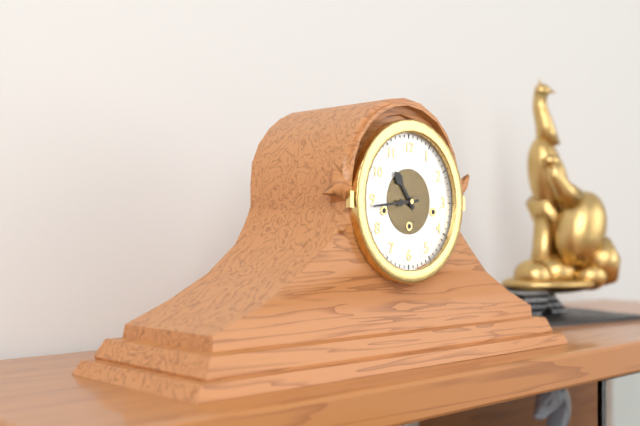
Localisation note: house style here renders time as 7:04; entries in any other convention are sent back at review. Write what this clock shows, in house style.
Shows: 10:44
